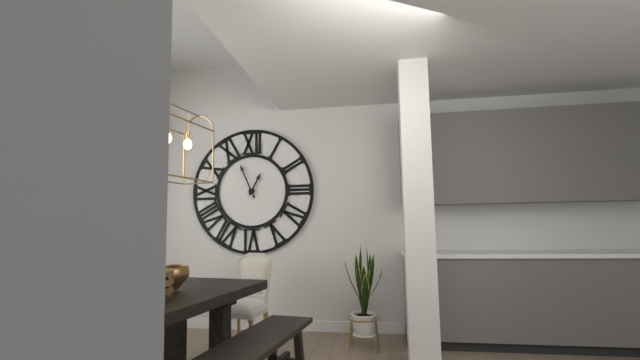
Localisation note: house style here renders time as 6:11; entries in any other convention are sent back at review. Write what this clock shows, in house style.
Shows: 12:56
